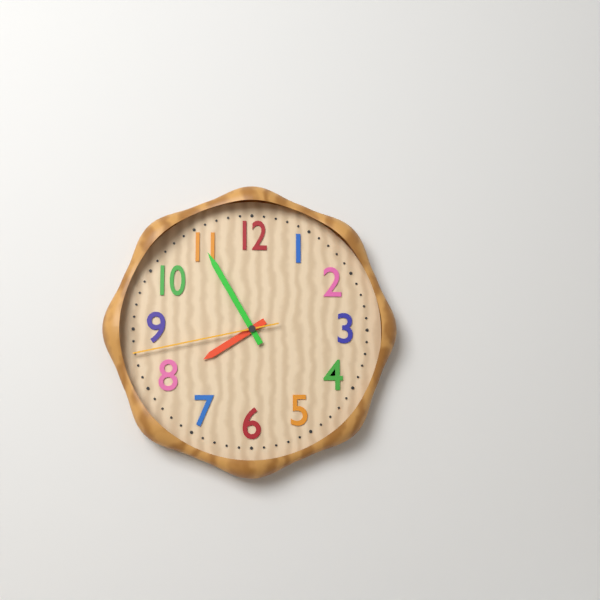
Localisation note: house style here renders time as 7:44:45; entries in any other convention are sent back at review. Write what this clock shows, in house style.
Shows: 7:55:43
